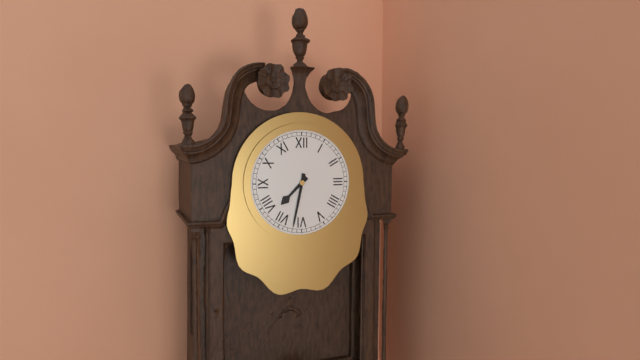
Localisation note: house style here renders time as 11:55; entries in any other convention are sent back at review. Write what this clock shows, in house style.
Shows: 7:32
